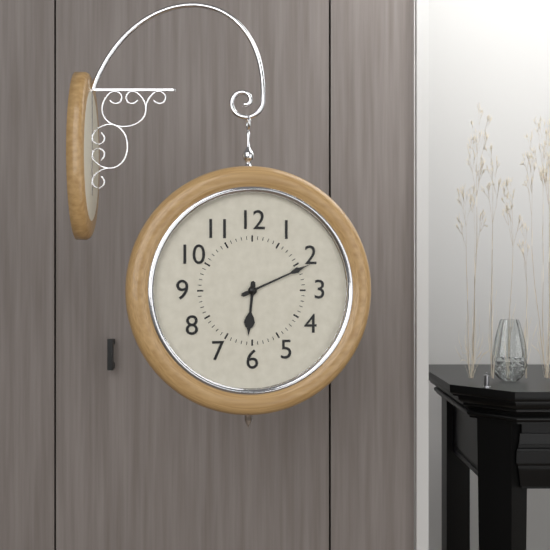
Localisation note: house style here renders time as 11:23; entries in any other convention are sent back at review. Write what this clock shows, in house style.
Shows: 6:11
